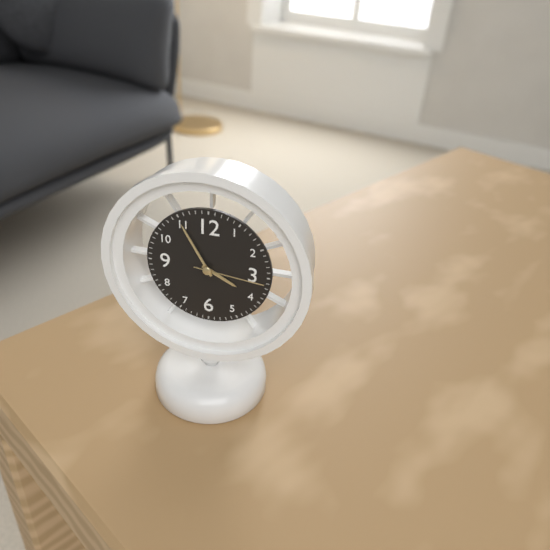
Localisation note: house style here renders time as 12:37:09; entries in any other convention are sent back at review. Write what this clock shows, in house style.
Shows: 3:55:16
